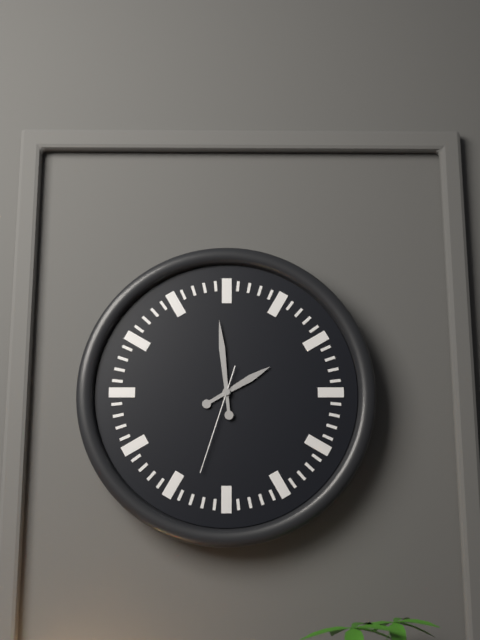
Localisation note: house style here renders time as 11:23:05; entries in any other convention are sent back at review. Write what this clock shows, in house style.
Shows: 1:59:33
